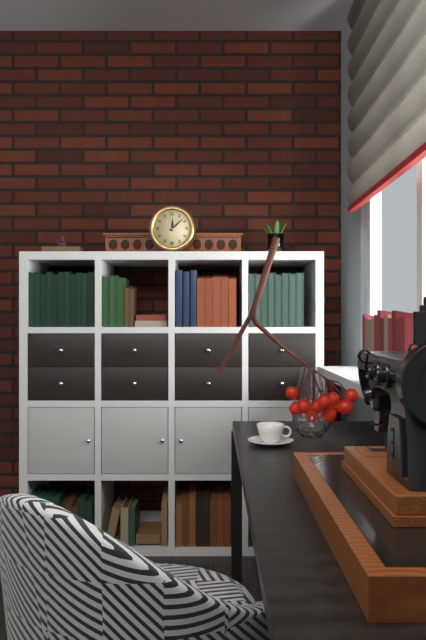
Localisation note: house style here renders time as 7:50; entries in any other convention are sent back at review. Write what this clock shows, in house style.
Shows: 12:08
